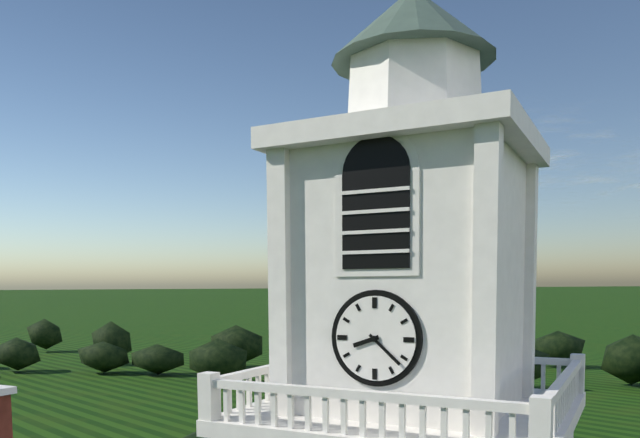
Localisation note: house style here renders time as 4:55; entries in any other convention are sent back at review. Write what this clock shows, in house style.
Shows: 8:22
